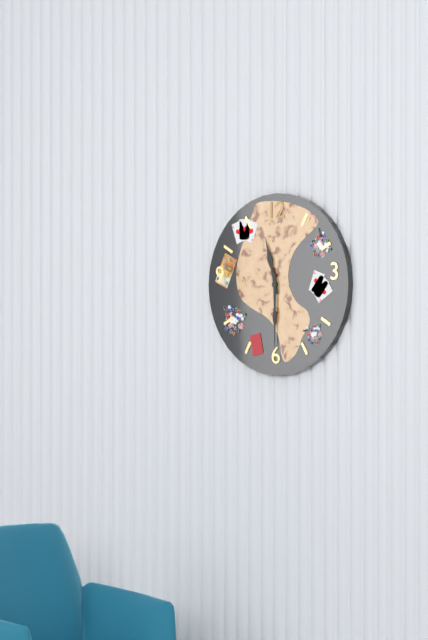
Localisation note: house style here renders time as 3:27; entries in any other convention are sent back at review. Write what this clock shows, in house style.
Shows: 11:30
